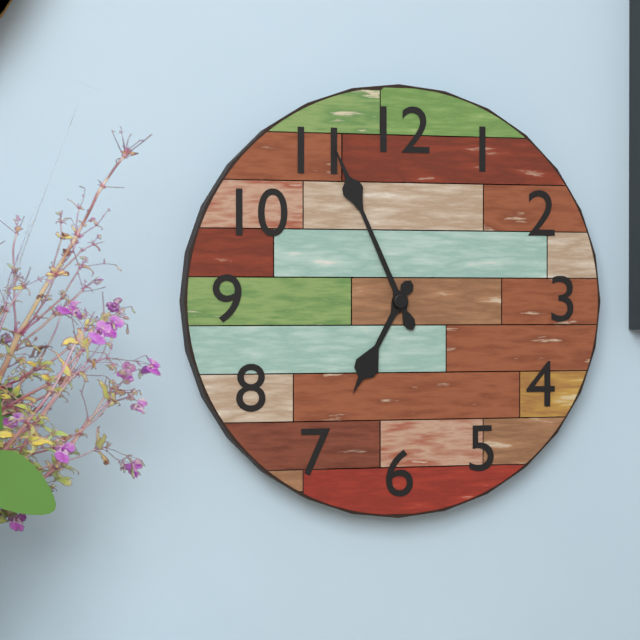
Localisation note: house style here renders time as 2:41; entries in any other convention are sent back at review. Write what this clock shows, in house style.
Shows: 6:56
